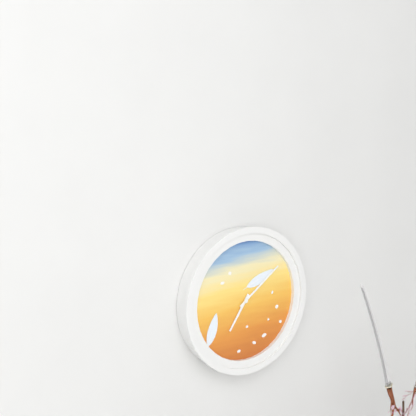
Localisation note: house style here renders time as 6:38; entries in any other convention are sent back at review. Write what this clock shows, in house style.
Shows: 7:09
